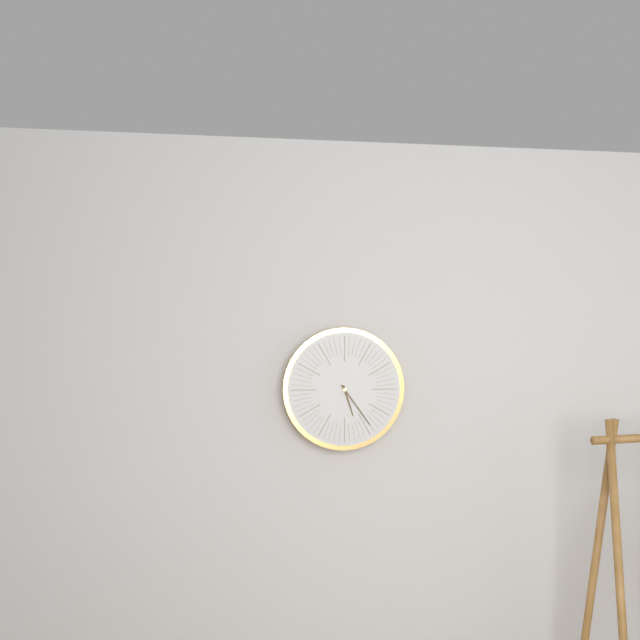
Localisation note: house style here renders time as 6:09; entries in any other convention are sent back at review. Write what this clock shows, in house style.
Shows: 5:24
